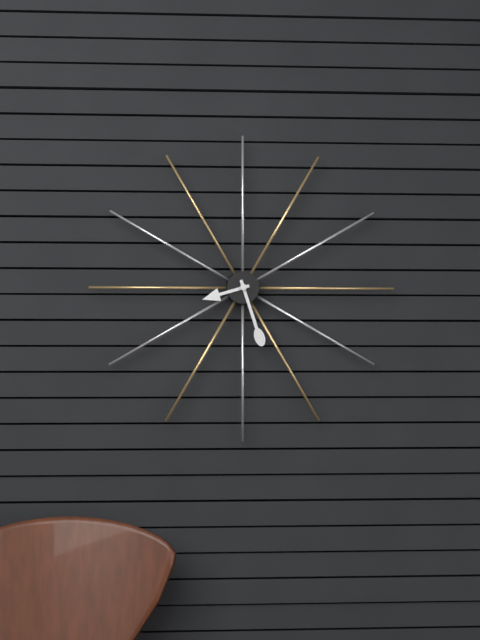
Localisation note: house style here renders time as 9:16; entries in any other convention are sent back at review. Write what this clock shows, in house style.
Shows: 8:27
